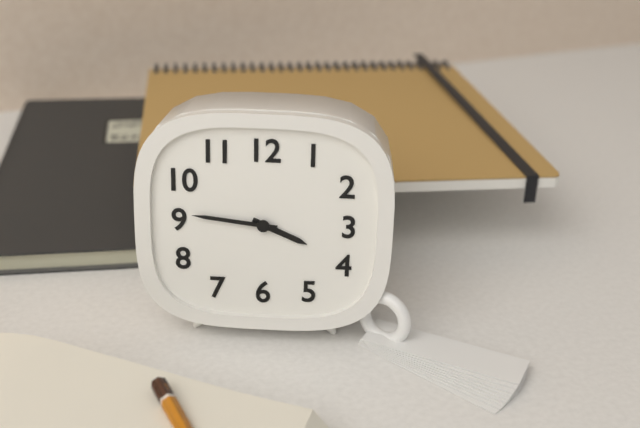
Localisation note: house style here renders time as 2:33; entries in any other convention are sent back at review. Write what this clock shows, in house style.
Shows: 3:46
